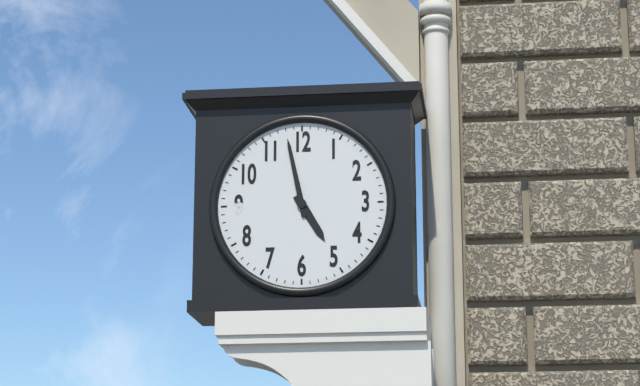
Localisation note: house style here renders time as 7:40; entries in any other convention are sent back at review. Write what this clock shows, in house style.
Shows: 4:58
